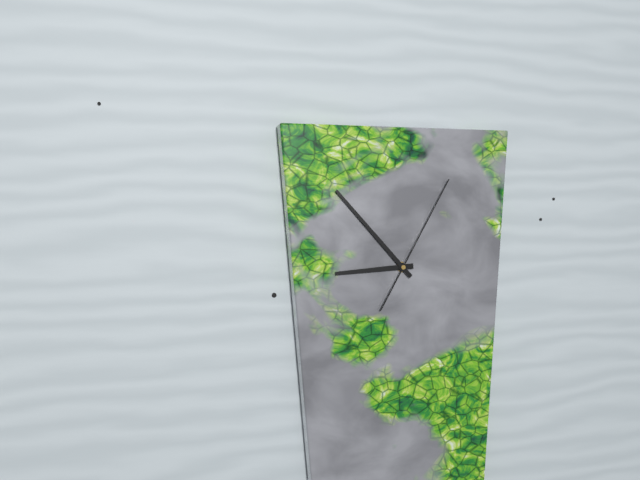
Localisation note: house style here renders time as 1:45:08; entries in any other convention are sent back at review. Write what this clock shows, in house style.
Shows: 8:53:05
